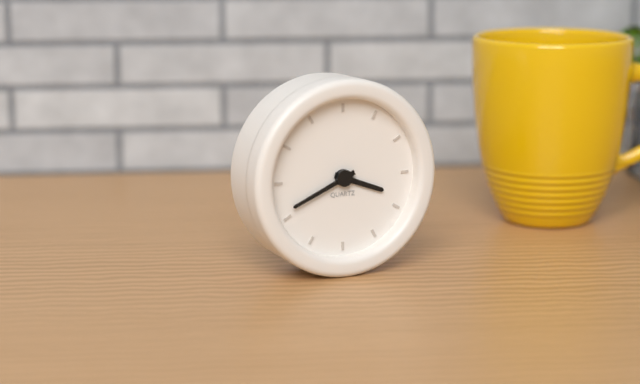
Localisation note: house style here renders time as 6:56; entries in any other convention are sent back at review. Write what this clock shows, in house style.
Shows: 3:41
